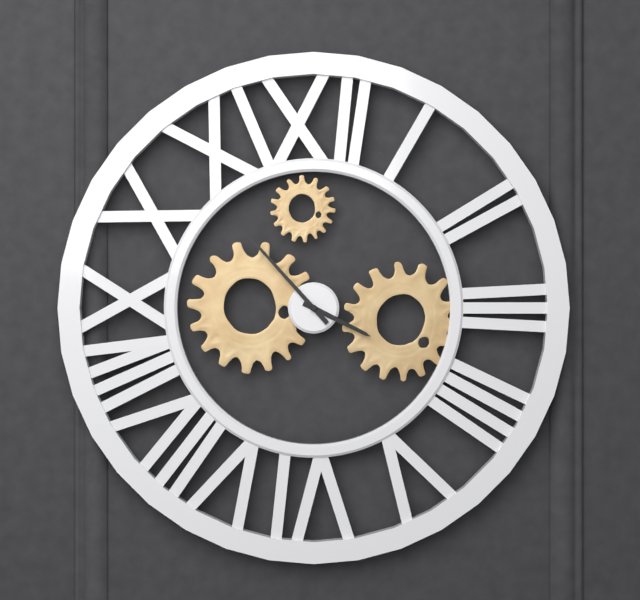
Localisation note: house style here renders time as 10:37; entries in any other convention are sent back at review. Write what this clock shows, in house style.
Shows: 3:53
